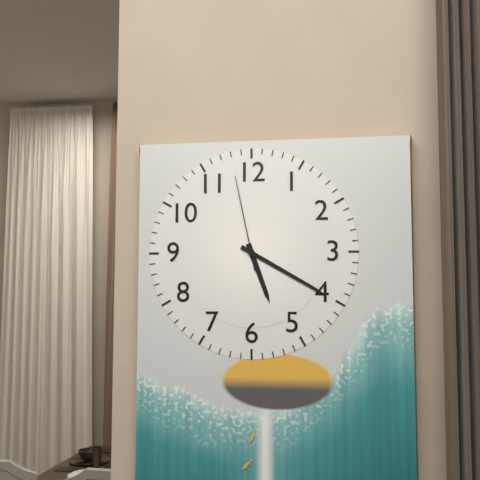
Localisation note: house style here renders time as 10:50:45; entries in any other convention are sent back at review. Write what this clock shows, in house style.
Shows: 5:20:58
